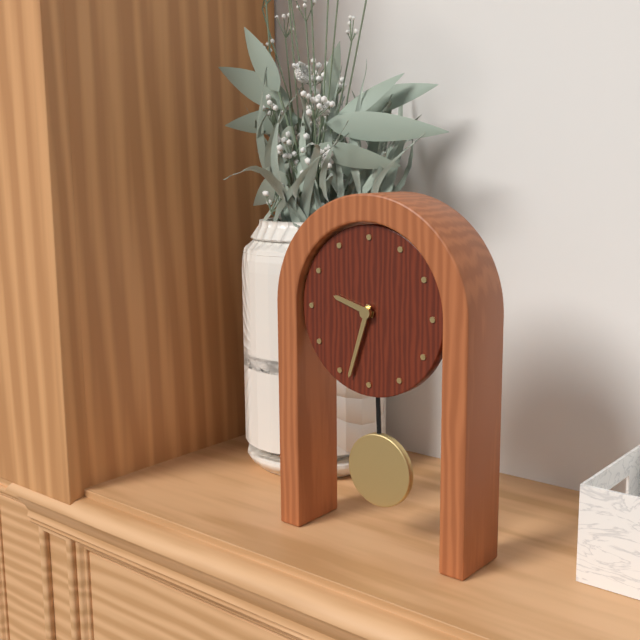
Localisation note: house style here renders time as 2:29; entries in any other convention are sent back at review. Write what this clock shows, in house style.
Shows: 9:33
